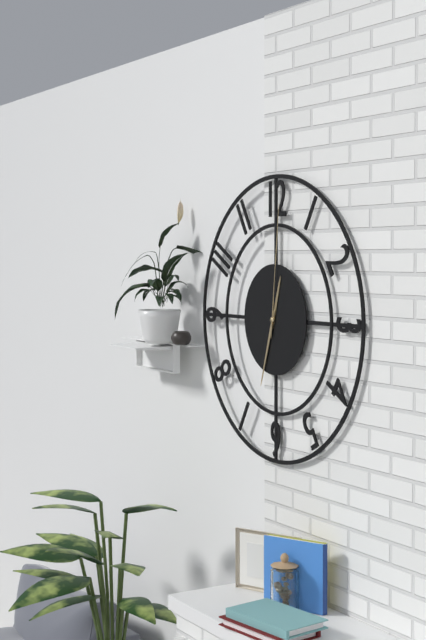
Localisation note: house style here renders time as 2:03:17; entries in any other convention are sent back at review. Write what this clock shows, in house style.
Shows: 12:33:01
